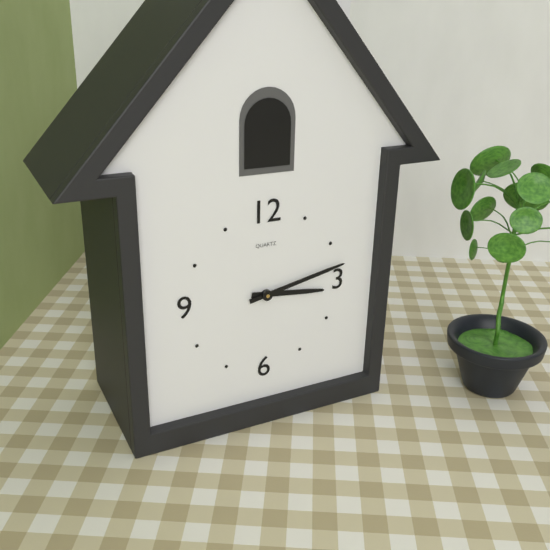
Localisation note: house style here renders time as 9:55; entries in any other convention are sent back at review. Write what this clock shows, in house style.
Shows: 3:13
